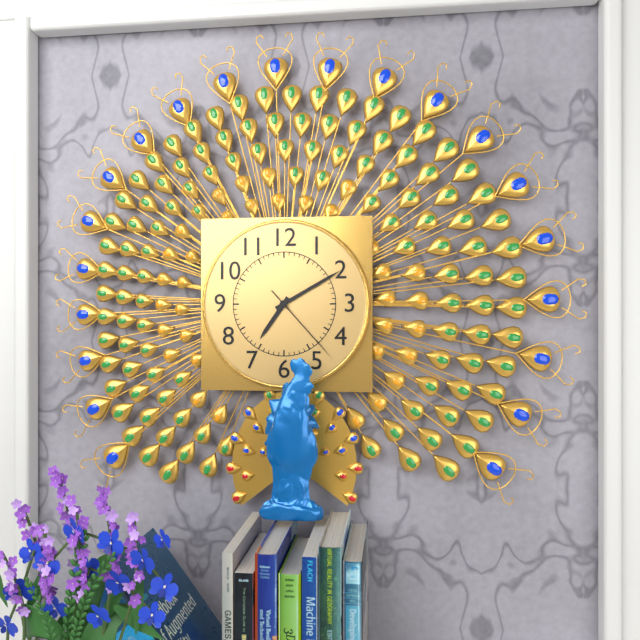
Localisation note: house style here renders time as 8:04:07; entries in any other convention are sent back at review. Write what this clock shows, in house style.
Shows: 7:10:23
